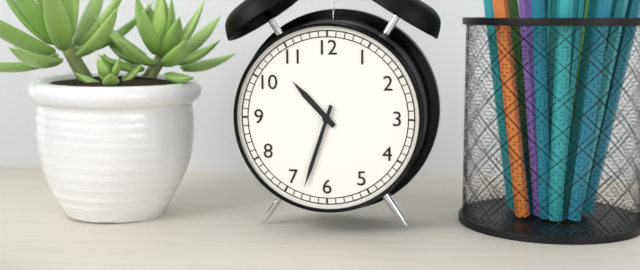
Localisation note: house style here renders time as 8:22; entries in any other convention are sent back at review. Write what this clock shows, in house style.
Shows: 10:33
